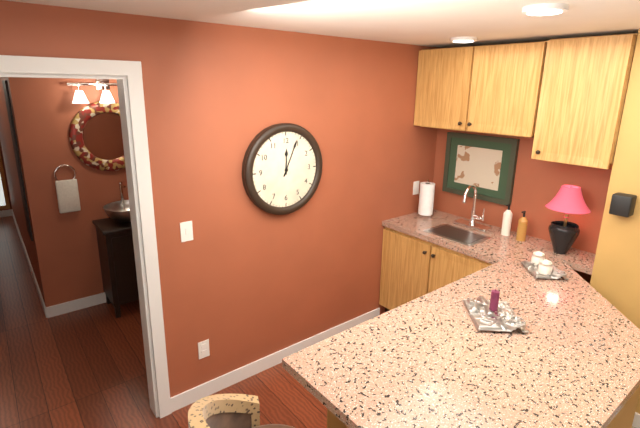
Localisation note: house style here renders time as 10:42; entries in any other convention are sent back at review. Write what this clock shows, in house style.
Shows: 12:04
